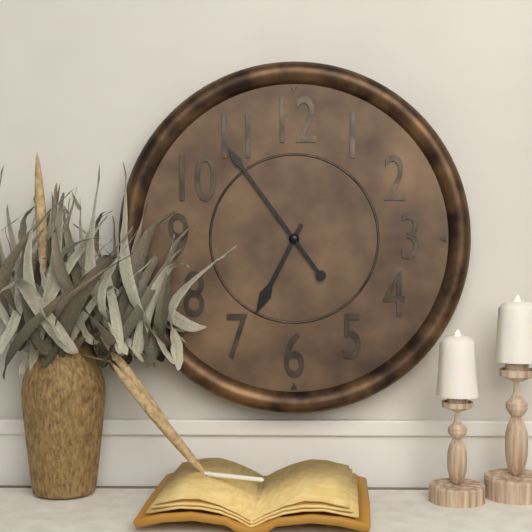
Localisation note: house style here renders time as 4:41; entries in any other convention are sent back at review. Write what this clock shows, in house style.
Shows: 6:54
